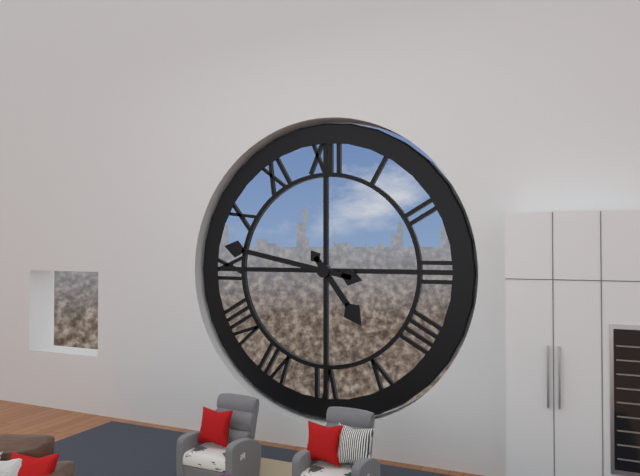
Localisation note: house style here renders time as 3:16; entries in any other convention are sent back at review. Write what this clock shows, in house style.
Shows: 4:47
